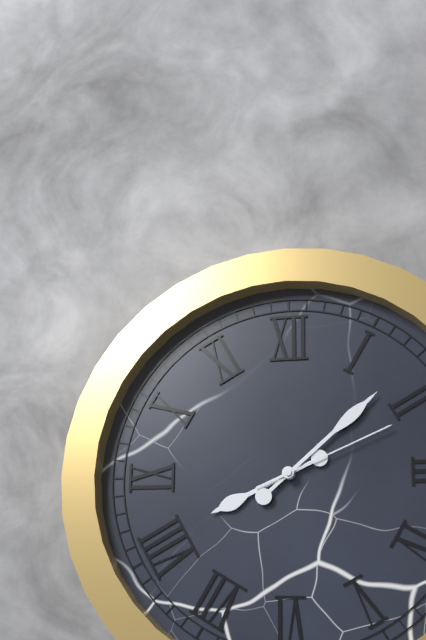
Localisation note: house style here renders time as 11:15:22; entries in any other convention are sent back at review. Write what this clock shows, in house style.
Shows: 8:08:11
